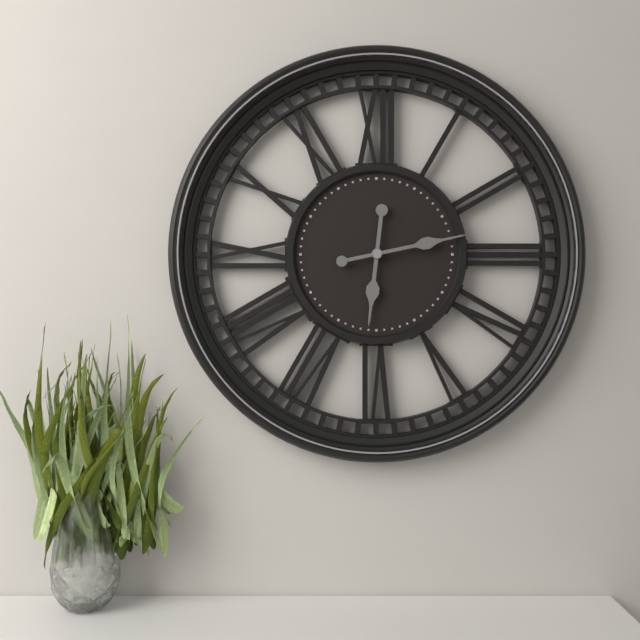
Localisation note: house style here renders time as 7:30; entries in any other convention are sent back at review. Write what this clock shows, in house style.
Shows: 6:13
